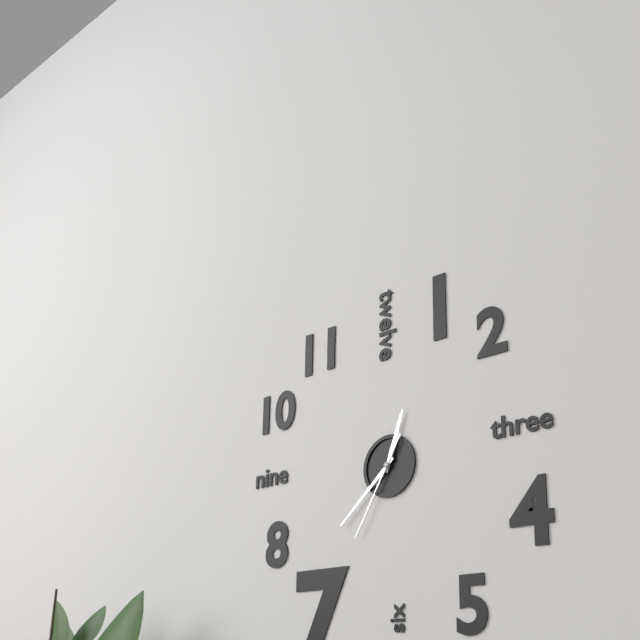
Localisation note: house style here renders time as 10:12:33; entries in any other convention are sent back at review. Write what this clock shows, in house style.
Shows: 12:38:35
